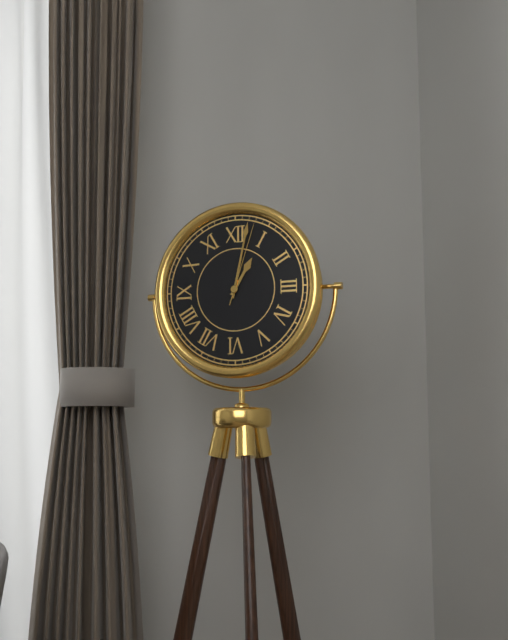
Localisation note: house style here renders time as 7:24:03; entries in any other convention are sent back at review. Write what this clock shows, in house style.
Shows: 1:02:03
